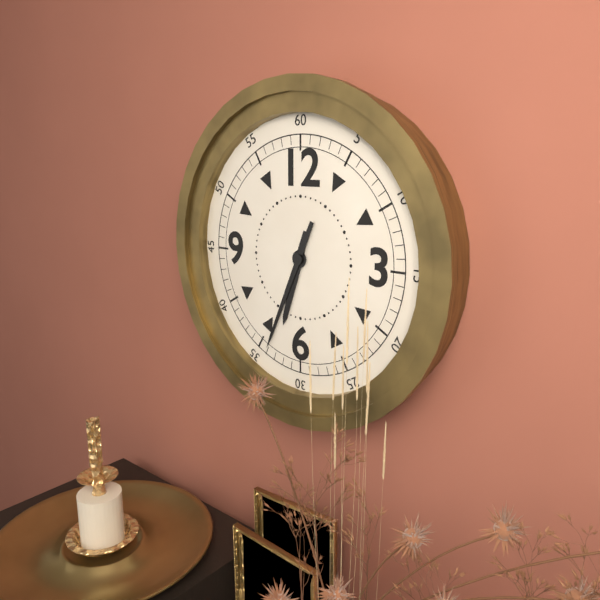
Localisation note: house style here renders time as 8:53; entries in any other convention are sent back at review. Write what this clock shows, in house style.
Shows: 6:34
